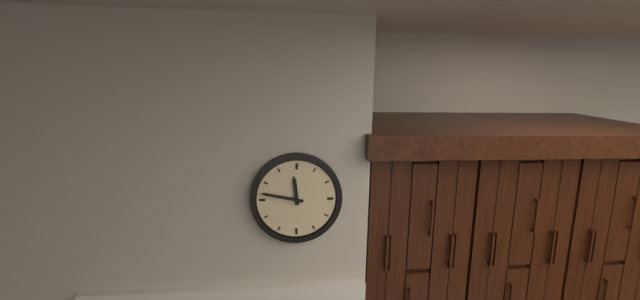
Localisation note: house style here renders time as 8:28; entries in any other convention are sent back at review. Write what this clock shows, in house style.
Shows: 11:47
